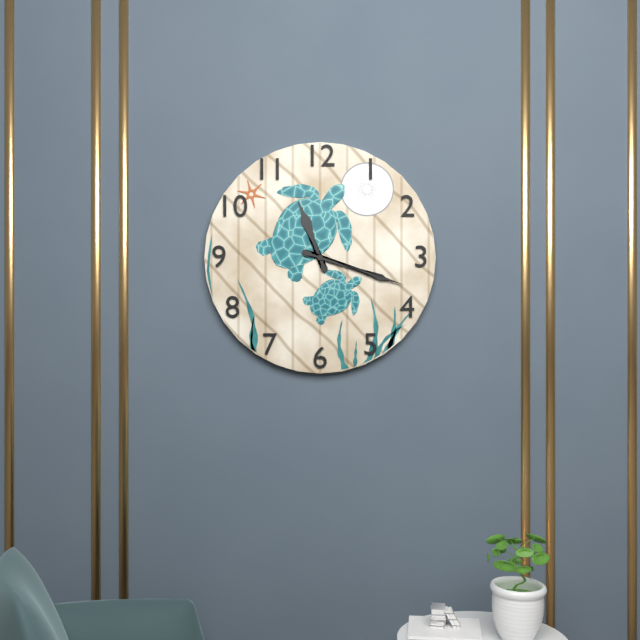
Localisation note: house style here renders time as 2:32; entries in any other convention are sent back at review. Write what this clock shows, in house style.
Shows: 11:18
